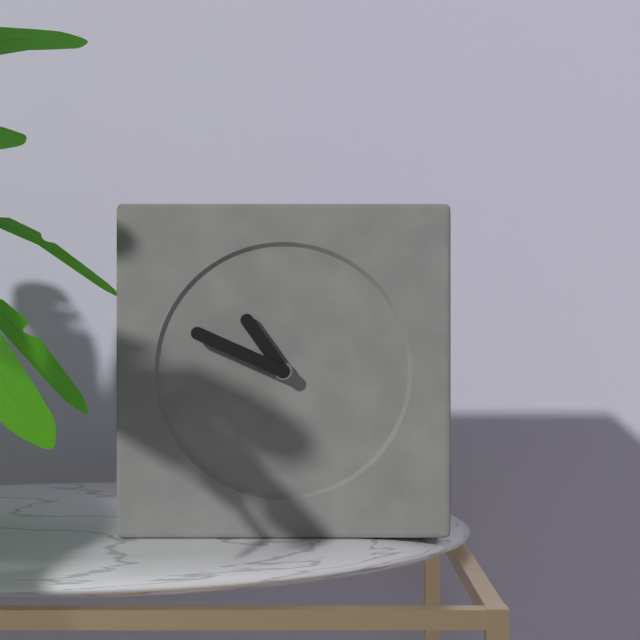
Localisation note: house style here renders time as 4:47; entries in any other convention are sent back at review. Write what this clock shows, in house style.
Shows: 10:49
